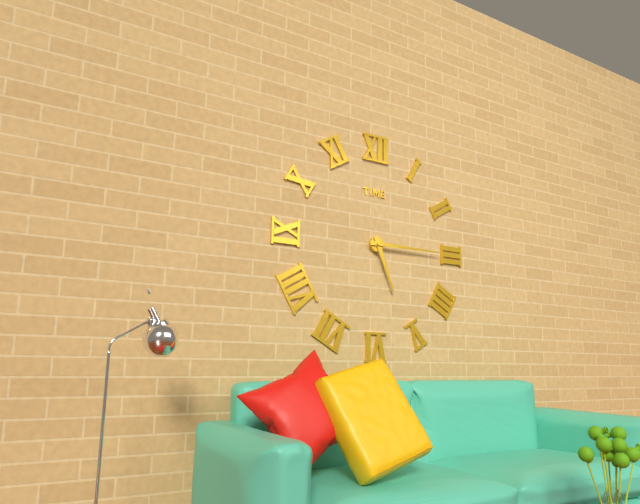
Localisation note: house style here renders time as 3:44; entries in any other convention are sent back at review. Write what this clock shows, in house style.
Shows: 5:15
